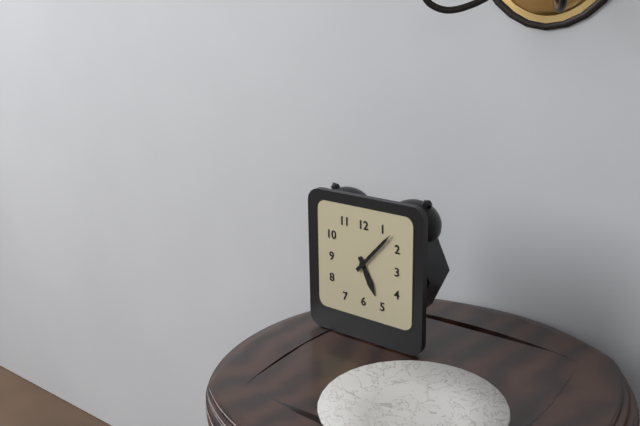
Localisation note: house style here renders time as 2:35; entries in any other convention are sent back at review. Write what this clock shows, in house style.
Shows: 5:07
